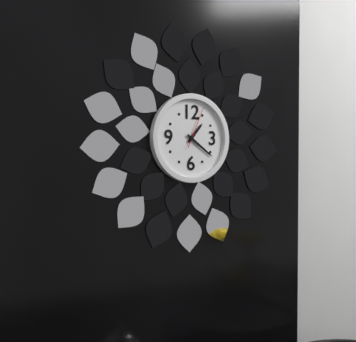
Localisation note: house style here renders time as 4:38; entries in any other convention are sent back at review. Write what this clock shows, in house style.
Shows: 1:21
